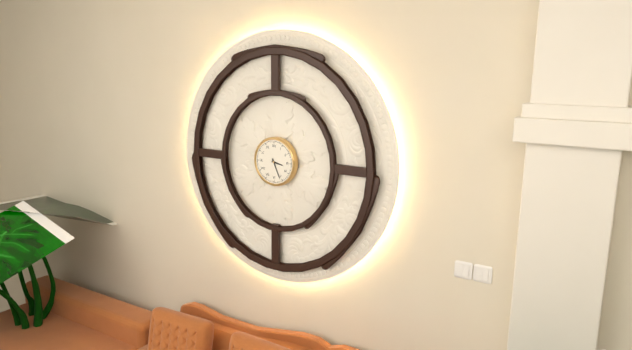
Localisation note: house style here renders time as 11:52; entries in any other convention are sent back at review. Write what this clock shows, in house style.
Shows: 3:26
